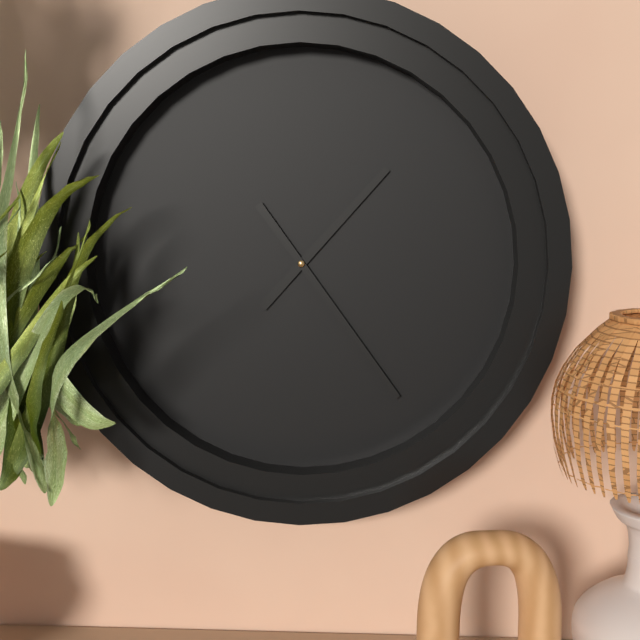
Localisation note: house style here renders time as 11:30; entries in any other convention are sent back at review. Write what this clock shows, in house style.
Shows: 1:24
